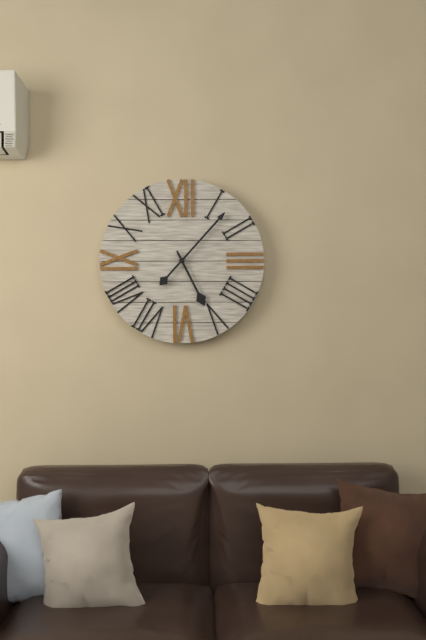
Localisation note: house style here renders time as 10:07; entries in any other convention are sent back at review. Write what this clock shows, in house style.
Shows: 5:07
